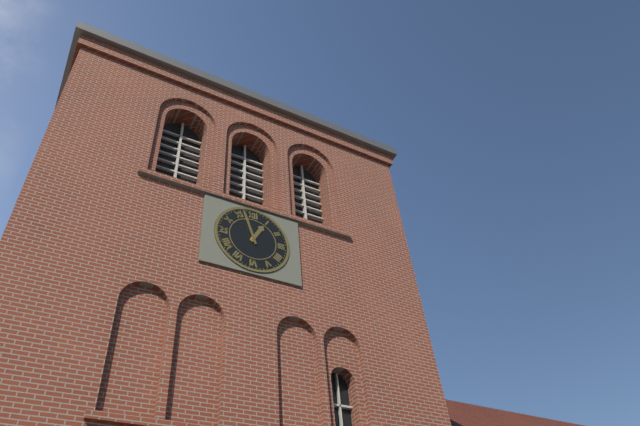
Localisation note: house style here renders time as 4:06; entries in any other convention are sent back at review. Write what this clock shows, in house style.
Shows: 12:57
